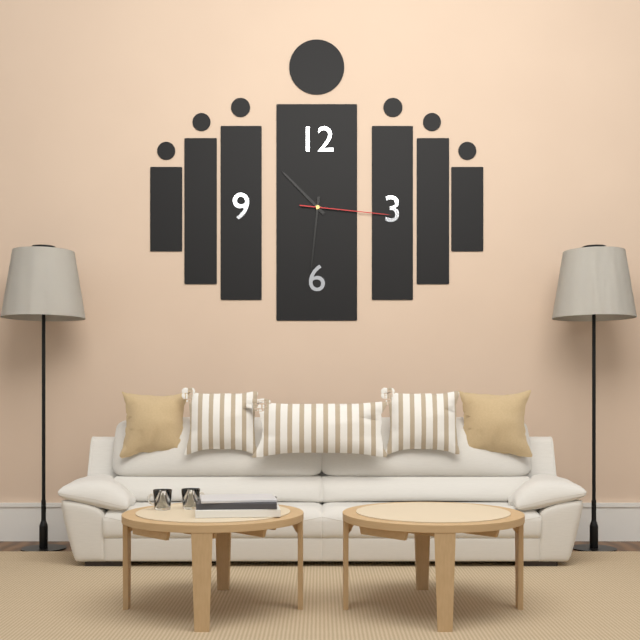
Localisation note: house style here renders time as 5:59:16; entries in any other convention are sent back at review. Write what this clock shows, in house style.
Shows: 10:31:16
